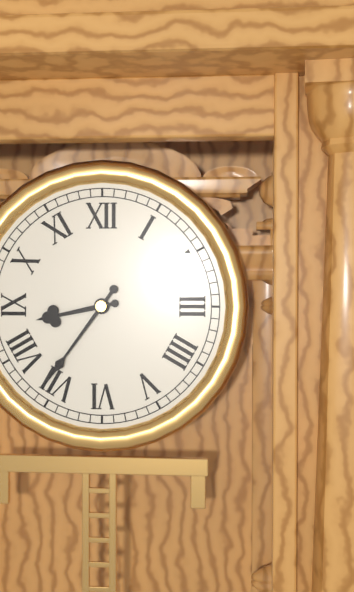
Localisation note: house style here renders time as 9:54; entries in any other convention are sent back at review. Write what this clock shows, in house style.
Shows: 8:36
